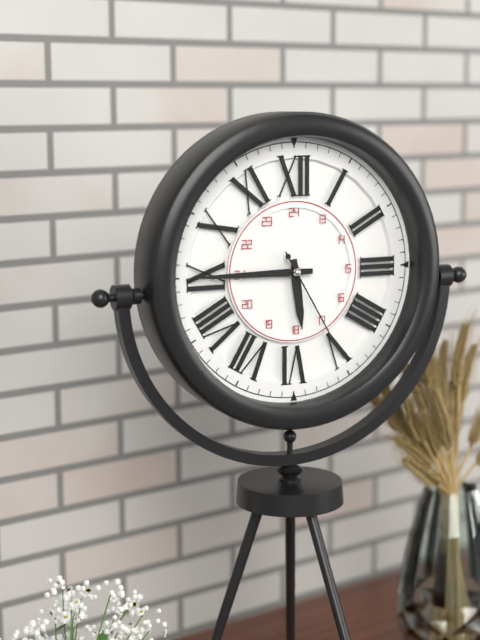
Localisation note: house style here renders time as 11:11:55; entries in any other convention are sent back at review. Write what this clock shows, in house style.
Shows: 5:45:25
